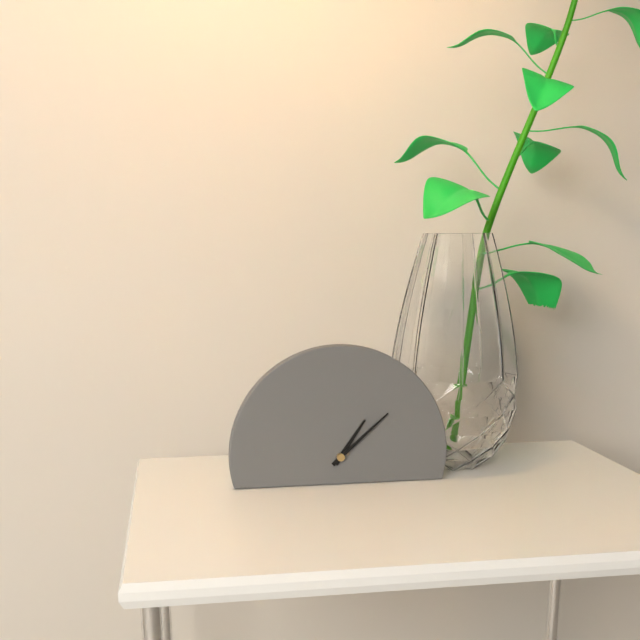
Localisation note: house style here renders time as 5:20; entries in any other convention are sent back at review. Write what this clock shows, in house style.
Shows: 1:08
